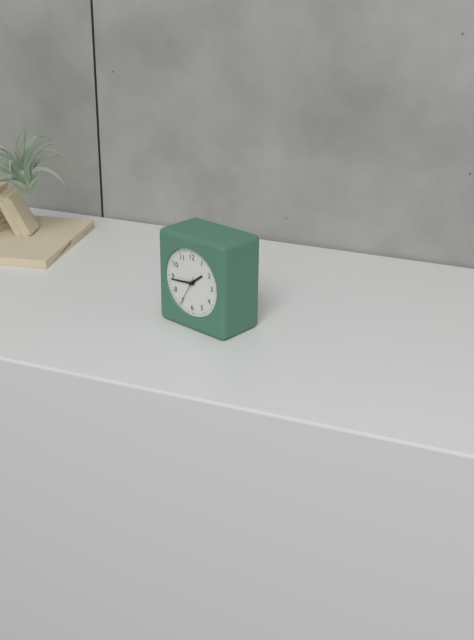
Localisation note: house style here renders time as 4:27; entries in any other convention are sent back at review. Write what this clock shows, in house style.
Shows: 1:44
